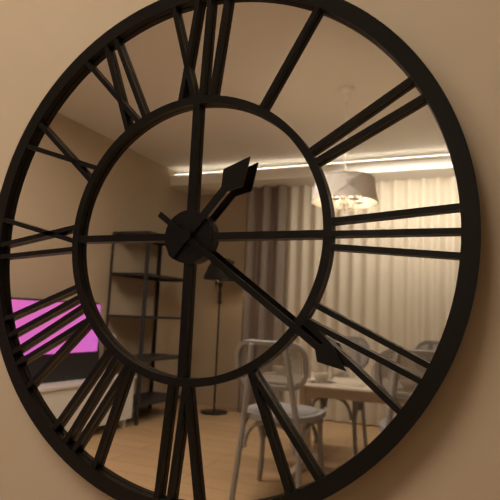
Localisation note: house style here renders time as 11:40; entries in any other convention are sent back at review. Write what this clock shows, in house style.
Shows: 1:21
